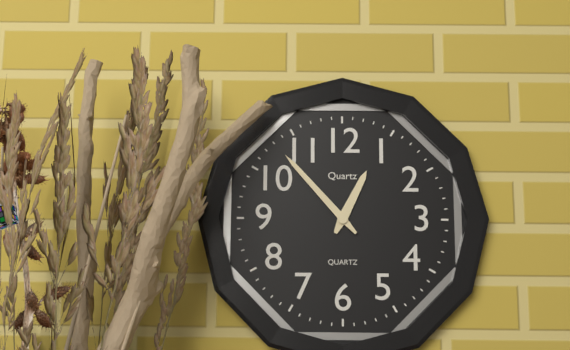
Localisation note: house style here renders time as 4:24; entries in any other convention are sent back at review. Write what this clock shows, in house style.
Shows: 12:53
